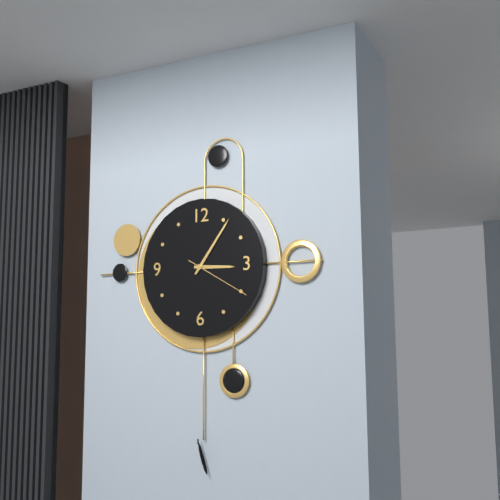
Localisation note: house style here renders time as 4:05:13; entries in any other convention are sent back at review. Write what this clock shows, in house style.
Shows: 3:06:20
